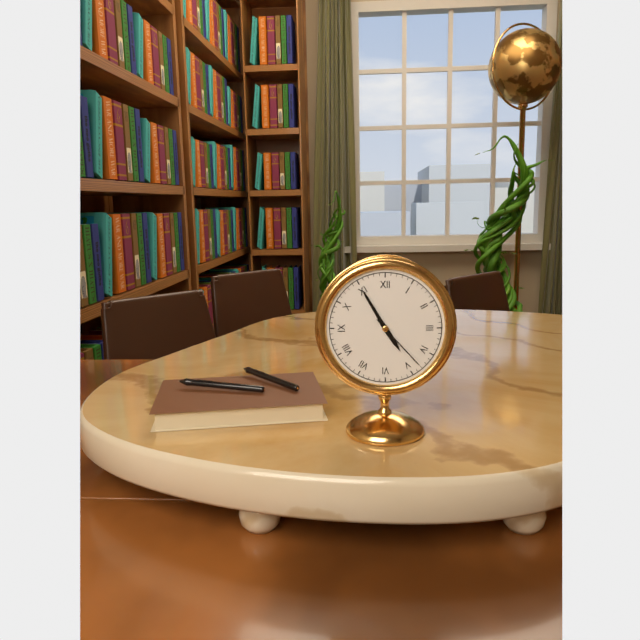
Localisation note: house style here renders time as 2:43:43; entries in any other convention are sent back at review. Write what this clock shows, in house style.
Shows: 4:55:23
